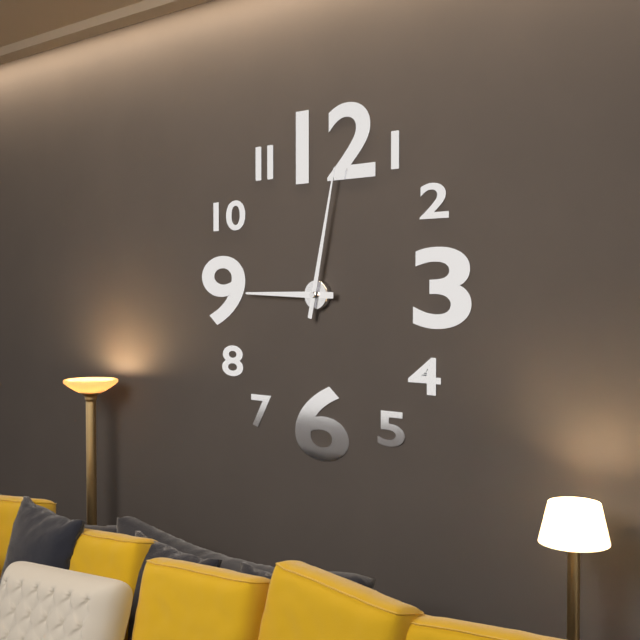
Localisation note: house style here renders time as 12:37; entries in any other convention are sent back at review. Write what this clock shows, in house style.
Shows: 9:02
